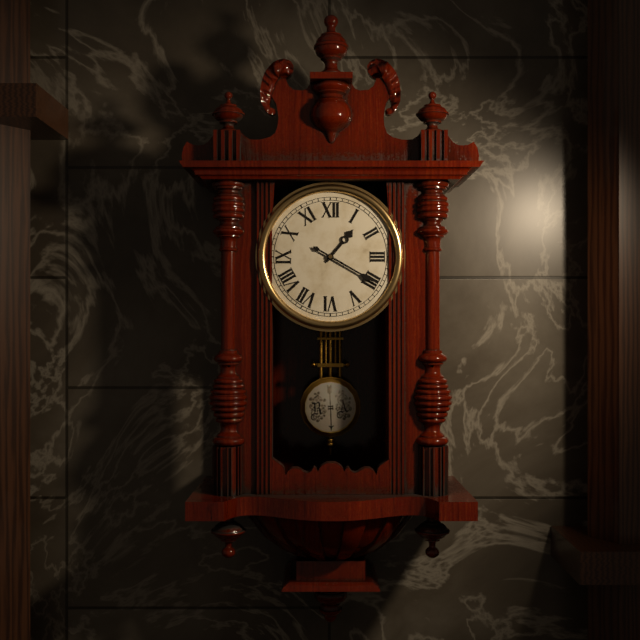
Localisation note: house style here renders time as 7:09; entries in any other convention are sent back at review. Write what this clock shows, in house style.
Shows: 1:20
